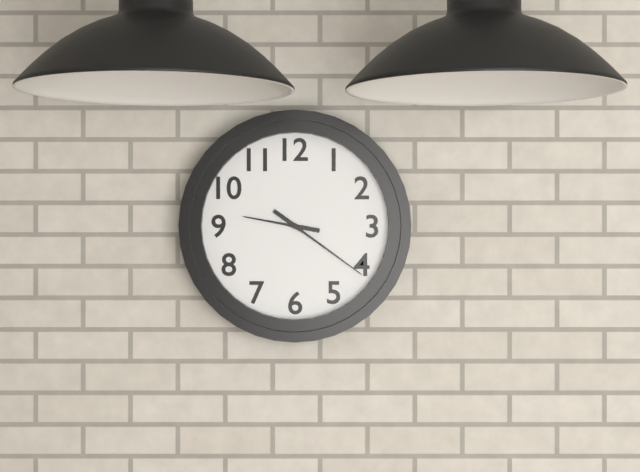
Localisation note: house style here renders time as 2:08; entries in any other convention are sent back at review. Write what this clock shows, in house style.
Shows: 9:21
